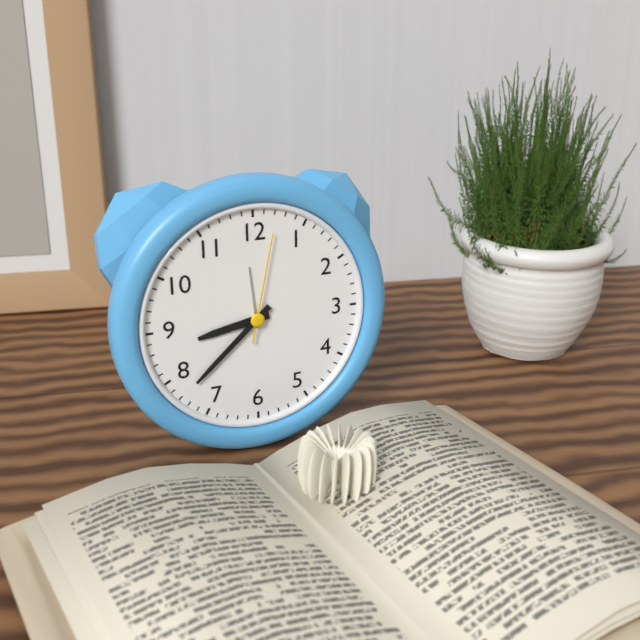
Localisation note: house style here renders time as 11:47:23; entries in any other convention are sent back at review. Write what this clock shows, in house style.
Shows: 8:38:02
